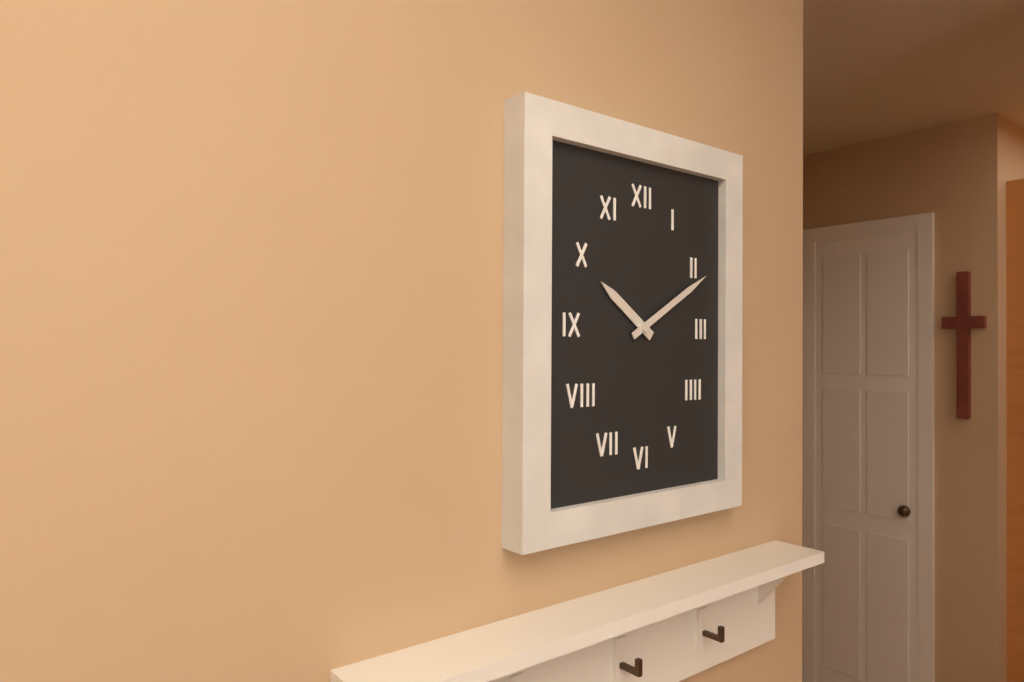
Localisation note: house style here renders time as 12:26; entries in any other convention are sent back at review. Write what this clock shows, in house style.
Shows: 10:10
